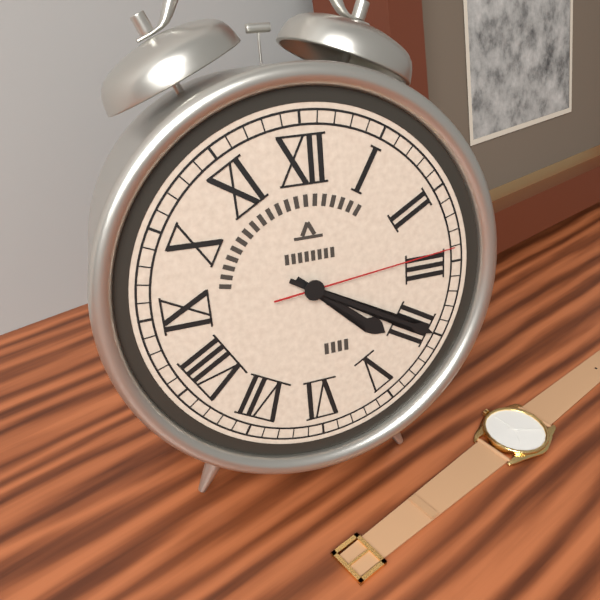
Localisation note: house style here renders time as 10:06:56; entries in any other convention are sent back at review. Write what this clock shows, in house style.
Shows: 4:20:14
